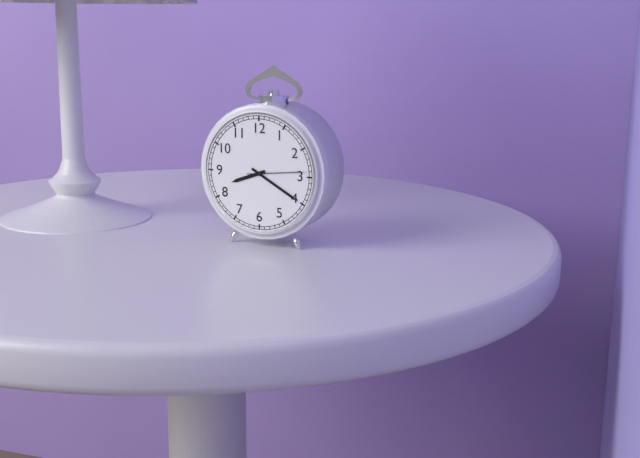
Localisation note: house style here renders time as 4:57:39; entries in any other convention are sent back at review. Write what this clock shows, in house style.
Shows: 8:20:14
